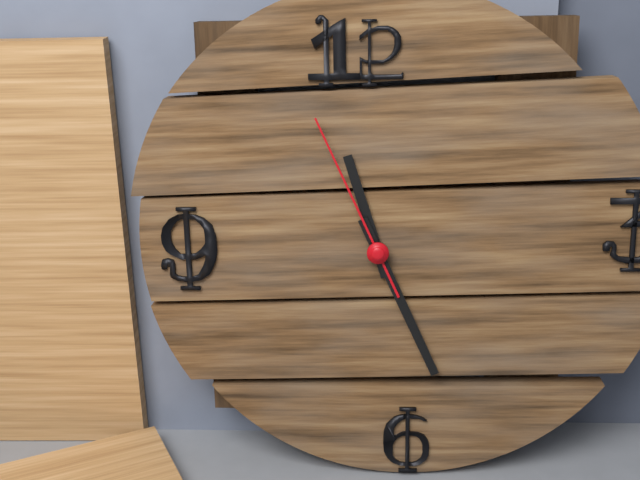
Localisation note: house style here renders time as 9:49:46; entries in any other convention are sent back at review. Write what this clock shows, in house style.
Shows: 11:26:56
